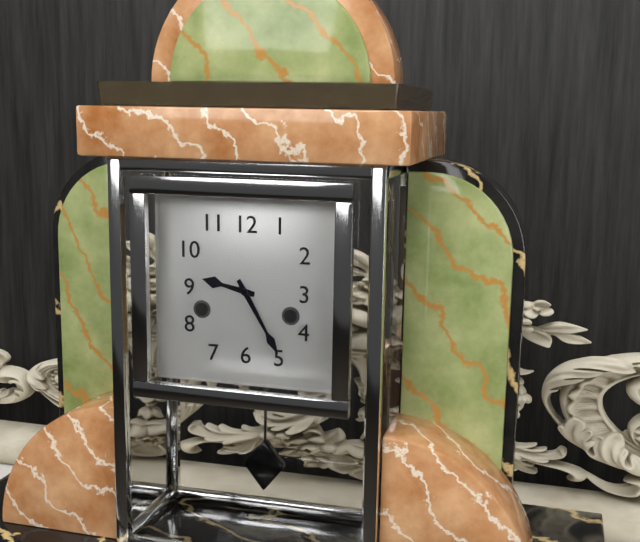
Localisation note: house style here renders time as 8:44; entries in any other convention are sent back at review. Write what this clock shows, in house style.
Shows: 9:25
